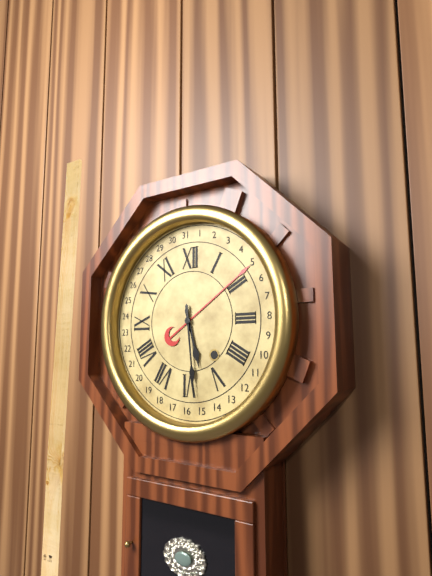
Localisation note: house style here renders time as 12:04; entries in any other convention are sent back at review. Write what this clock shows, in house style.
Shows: 5:29
